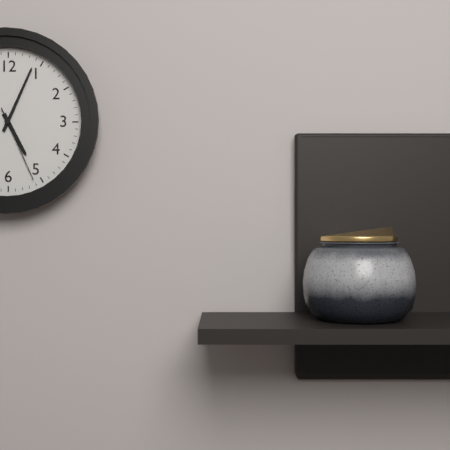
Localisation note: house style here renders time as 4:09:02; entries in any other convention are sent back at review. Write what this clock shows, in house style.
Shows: 5:04:26
